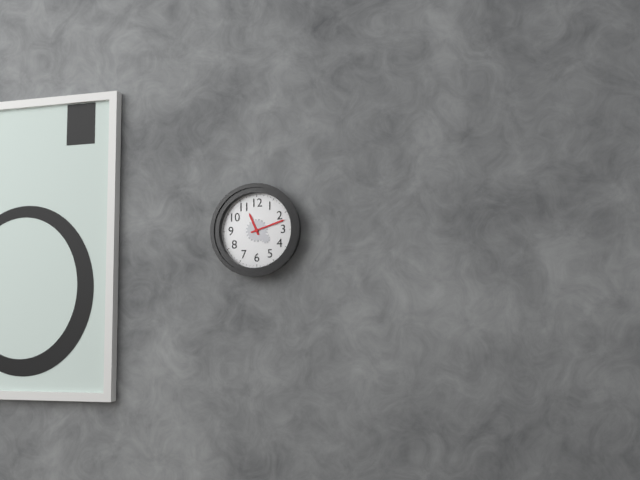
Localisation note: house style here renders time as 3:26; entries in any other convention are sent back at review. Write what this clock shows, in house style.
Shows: 11:12
